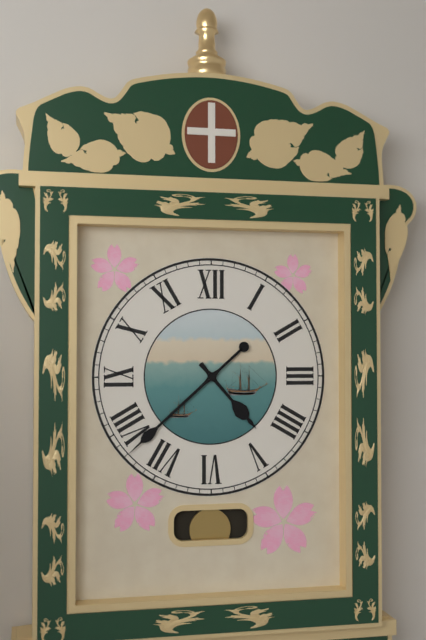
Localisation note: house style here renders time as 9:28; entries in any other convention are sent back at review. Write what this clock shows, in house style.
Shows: 4:38
